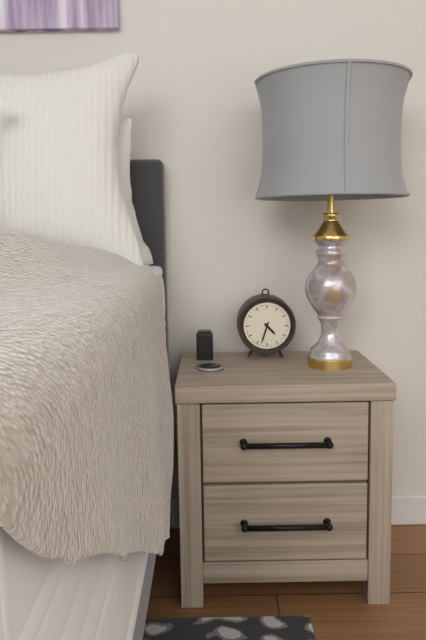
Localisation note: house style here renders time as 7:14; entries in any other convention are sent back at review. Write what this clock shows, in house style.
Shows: 4:33
